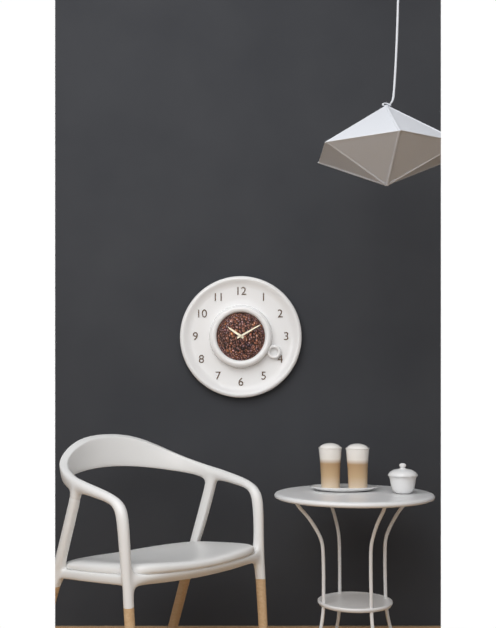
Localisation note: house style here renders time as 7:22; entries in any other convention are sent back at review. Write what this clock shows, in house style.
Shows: 10:10
